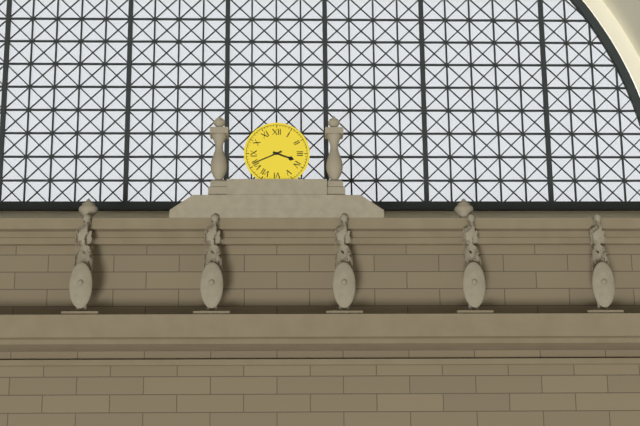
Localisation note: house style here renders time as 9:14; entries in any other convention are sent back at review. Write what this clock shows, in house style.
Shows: 3:41
